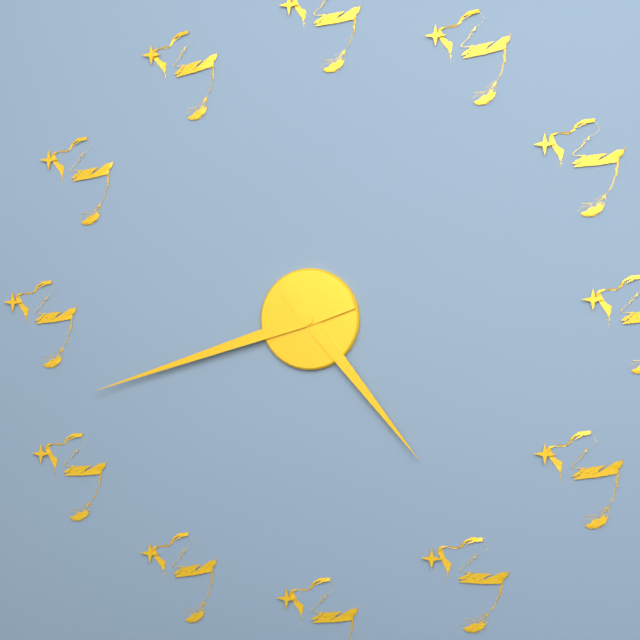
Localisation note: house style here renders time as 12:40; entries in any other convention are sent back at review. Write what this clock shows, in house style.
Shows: 4:42
